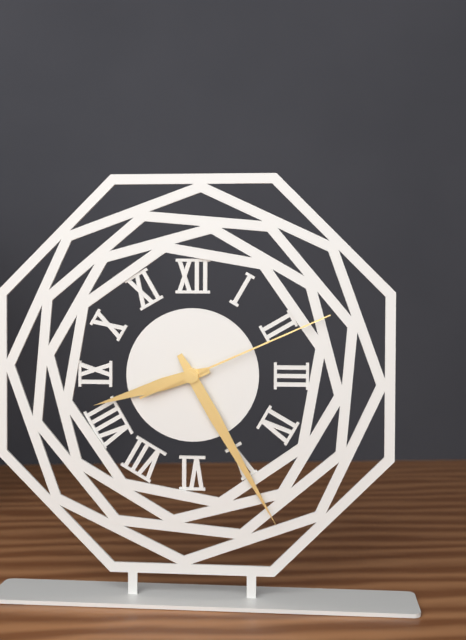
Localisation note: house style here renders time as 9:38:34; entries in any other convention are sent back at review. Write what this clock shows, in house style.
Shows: 8:25:11
